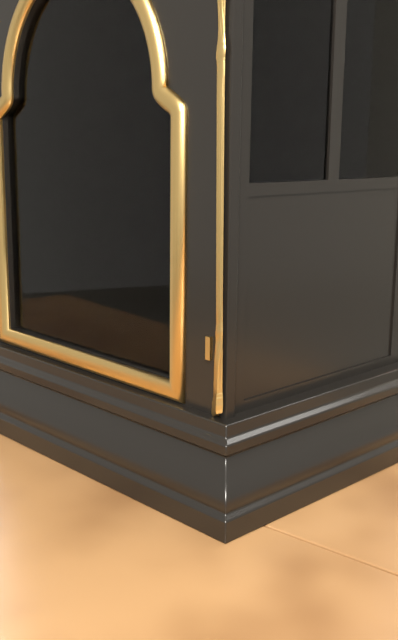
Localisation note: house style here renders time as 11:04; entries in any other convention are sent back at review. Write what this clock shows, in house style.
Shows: 10:48
